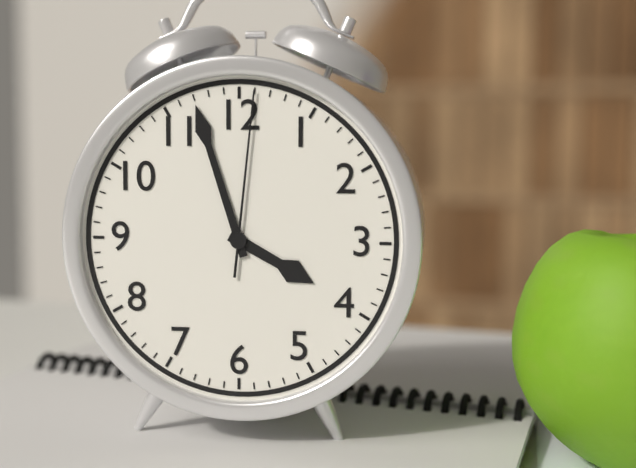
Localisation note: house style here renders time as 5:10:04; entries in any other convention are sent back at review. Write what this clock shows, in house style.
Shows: 3:57:01
